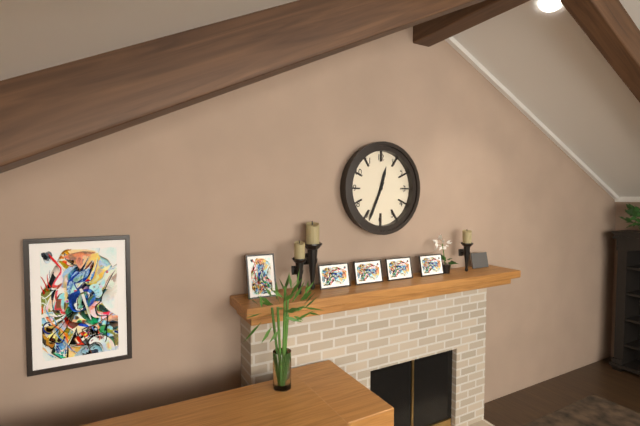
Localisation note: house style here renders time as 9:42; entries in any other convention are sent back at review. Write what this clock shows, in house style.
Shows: 12:34
